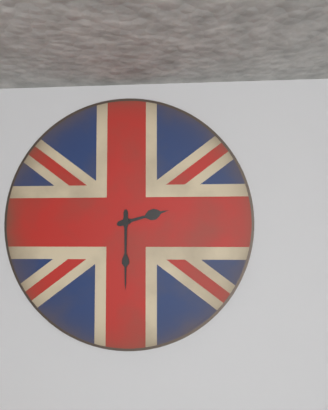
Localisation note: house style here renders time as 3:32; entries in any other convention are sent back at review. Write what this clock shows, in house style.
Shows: 2:30
